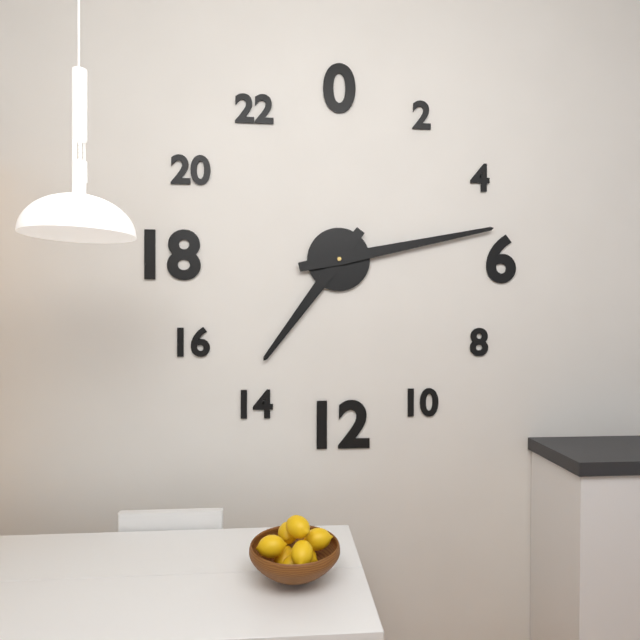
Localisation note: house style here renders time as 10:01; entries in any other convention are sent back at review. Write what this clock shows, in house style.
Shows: 7:13
